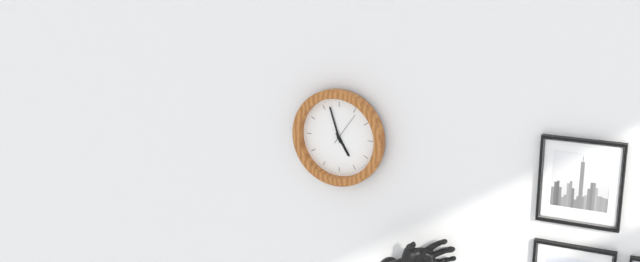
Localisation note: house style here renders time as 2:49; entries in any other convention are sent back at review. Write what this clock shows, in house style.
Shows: 4:57
